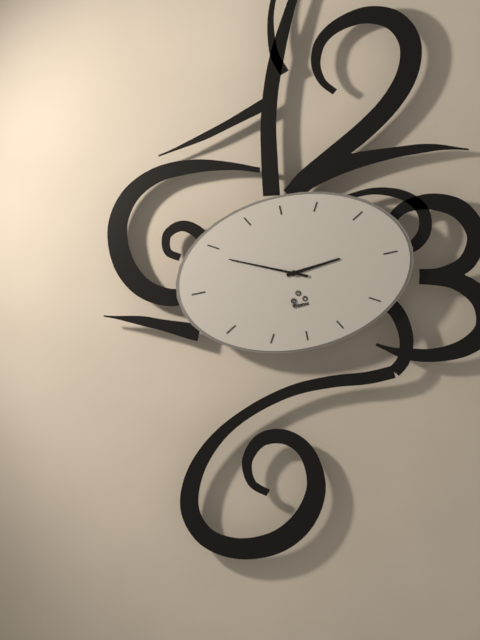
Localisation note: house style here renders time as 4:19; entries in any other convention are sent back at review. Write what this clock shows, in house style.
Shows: 2:49
